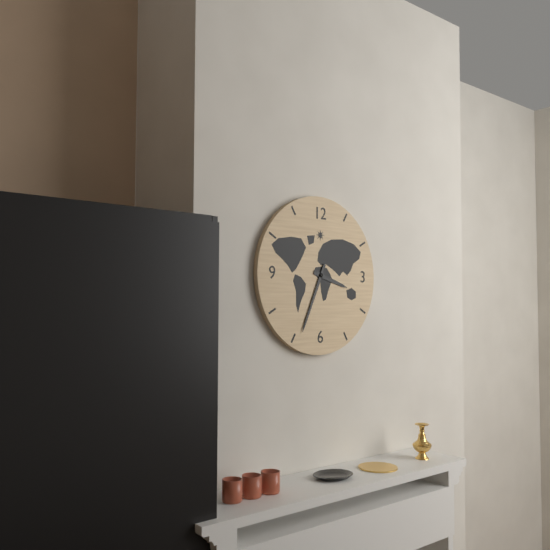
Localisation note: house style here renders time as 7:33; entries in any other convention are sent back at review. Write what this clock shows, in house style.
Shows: 3:34
